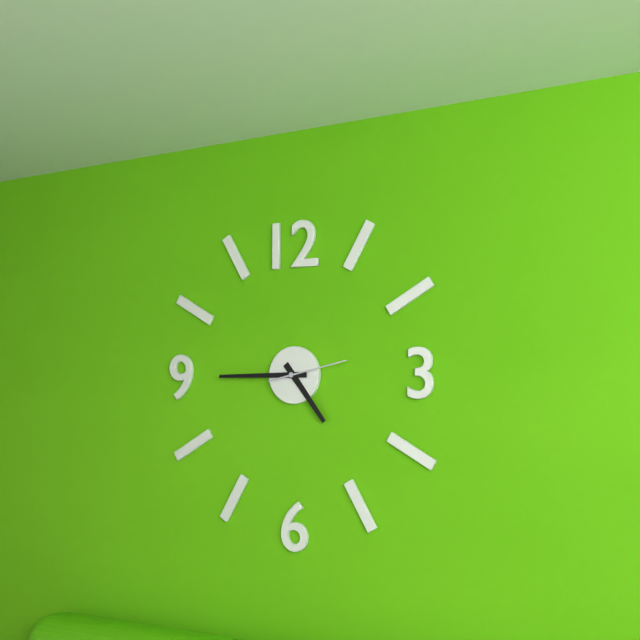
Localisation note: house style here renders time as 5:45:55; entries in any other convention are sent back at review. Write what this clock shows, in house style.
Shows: 4:45:13
